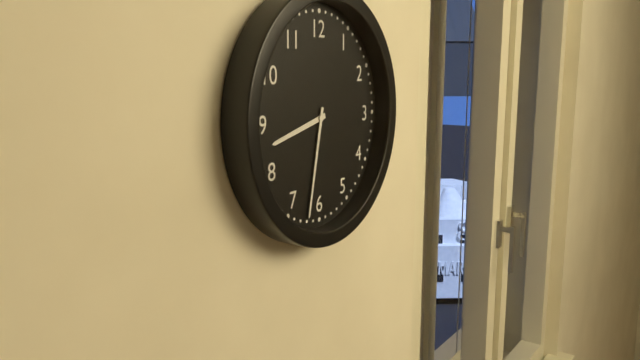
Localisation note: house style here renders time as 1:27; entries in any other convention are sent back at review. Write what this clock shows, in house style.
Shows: 8:32
